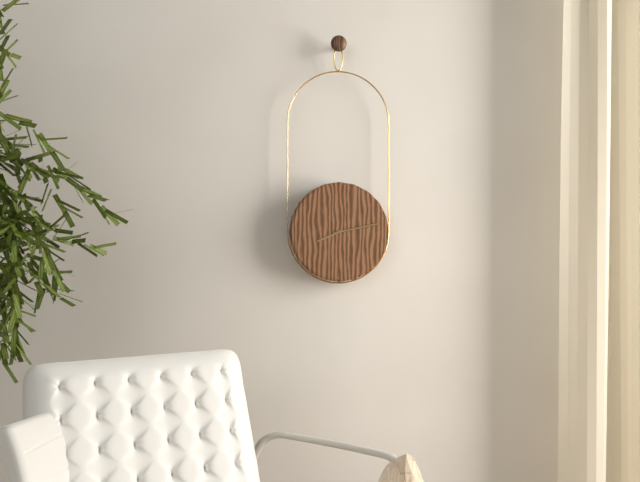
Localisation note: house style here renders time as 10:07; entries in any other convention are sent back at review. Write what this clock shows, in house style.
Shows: 8:13
